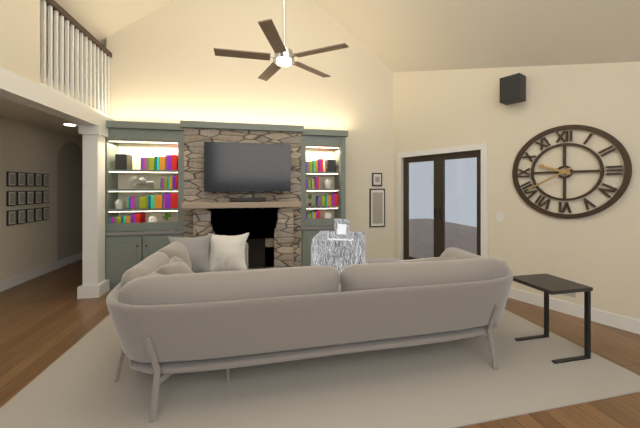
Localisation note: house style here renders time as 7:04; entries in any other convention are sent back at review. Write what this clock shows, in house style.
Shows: 9:40
